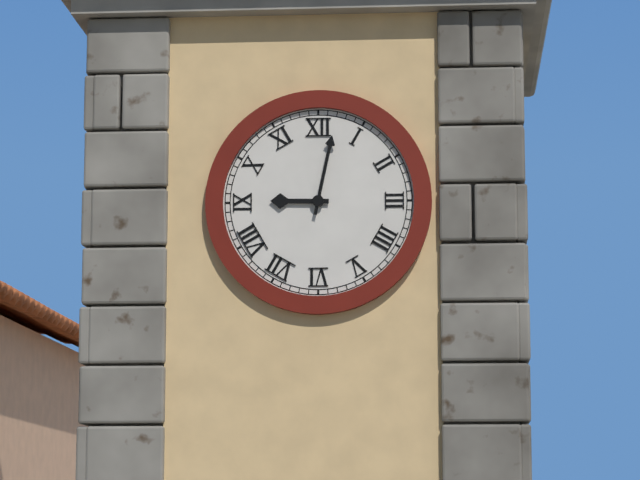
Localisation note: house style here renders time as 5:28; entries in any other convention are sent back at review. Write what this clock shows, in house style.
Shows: 9:02
